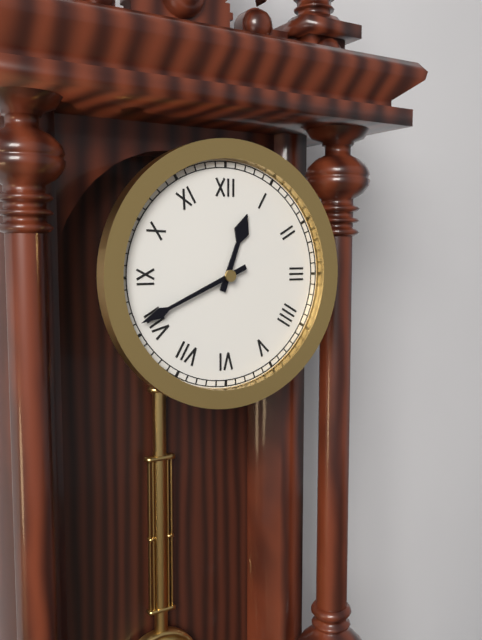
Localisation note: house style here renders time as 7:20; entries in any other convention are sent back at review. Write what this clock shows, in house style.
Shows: 12:41
